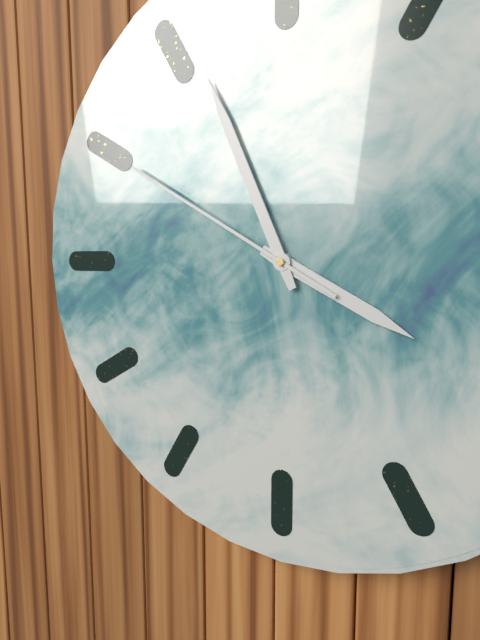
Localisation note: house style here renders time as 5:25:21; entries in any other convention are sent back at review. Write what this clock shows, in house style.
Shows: 3:56:50
